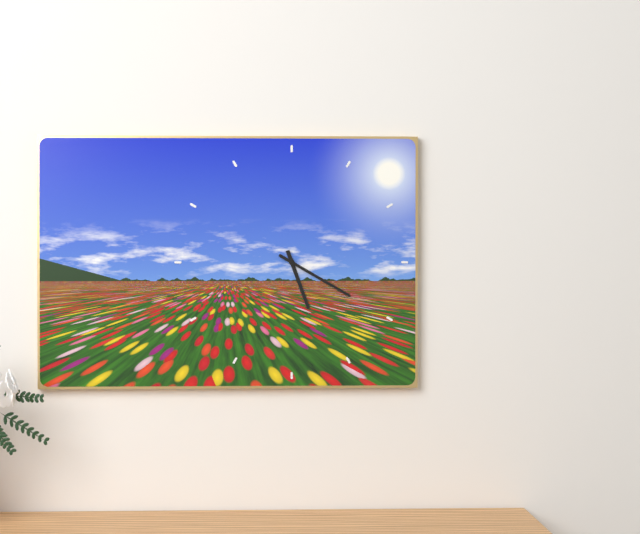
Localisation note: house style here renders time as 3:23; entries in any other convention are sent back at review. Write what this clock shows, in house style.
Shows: 5:20
